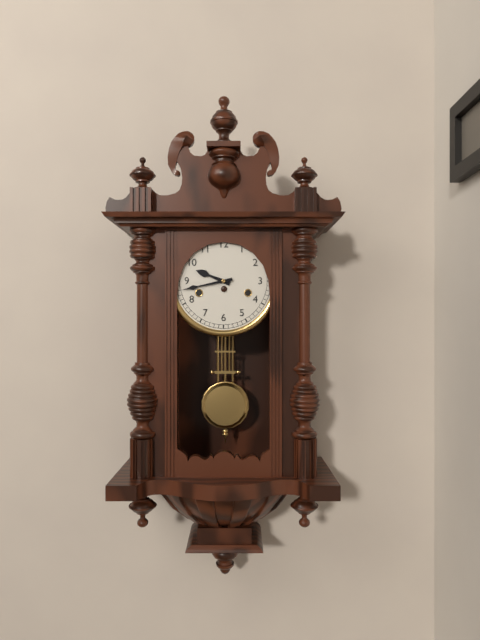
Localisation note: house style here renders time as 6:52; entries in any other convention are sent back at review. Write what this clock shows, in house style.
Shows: 9:43
